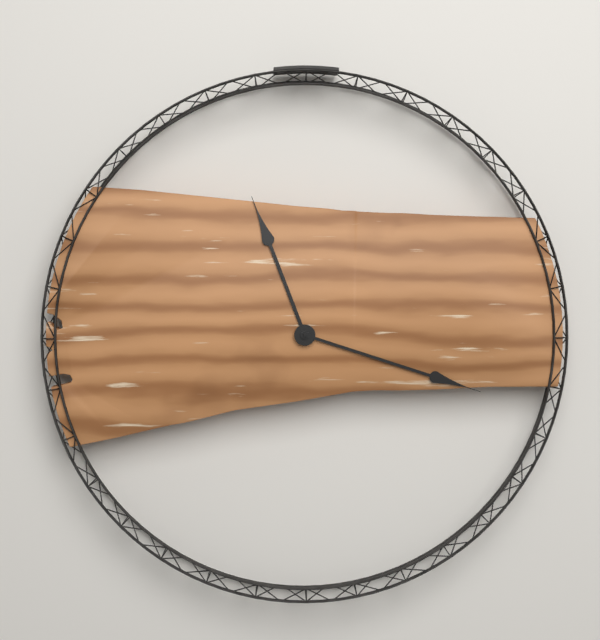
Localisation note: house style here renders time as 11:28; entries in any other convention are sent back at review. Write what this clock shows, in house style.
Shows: 11:18
